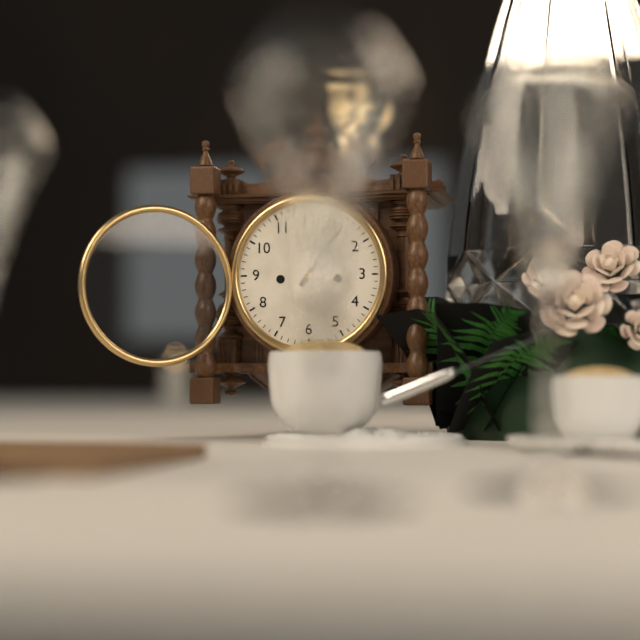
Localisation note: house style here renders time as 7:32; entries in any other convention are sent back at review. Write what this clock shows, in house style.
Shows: 1:06
